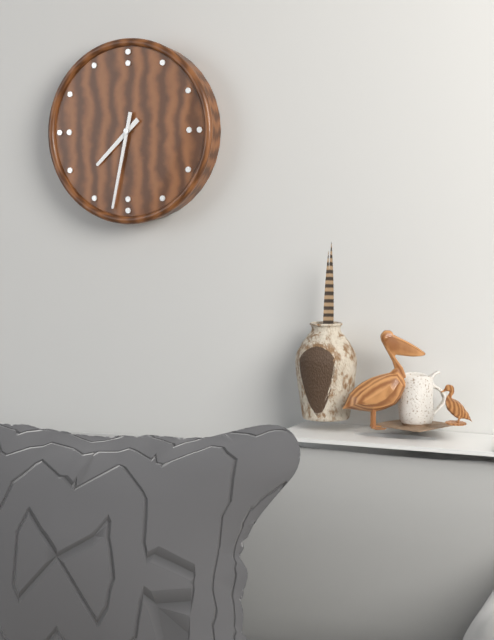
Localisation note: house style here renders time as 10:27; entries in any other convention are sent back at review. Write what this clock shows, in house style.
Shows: 7:32
